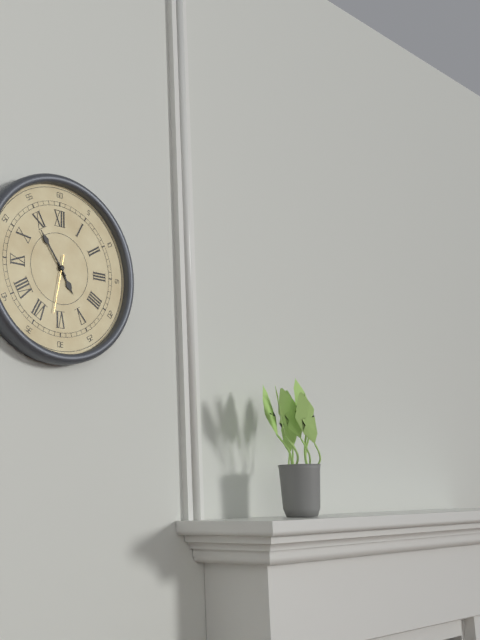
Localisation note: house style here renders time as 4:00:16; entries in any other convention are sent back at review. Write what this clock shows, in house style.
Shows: 4:54:32
